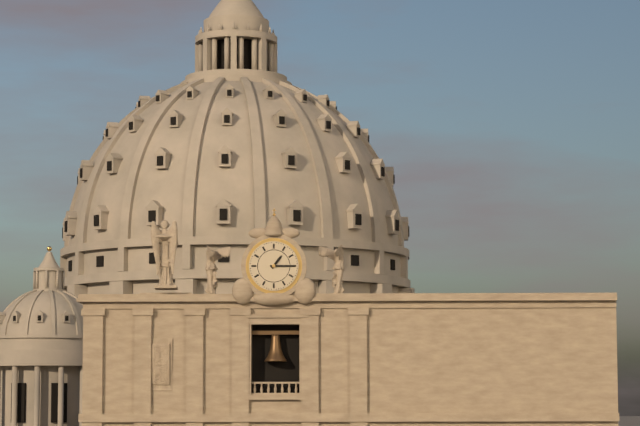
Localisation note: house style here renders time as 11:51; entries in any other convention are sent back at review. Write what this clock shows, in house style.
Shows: 1:15
